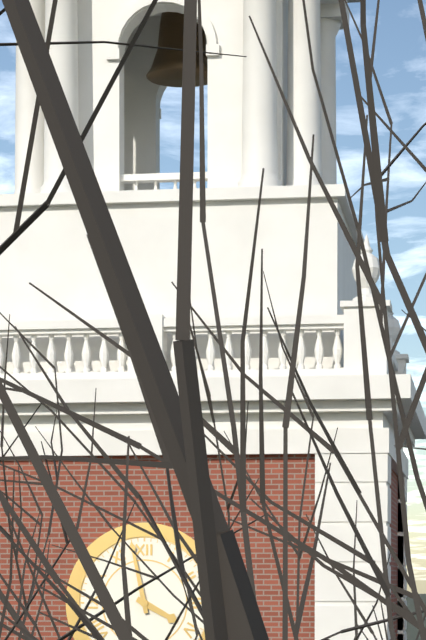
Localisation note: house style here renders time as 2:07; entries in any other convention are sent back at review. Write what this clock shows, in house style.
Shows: 3:58
